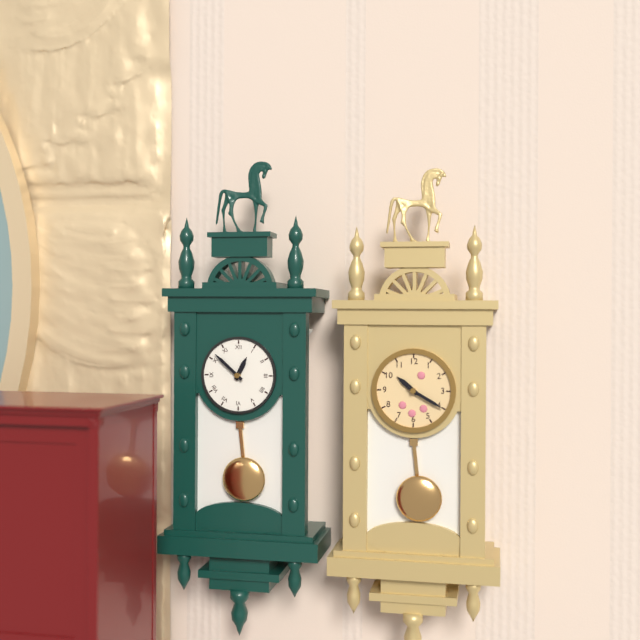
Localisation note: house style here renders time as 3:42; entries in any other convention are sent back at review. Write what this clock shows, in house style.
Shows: 12:52
